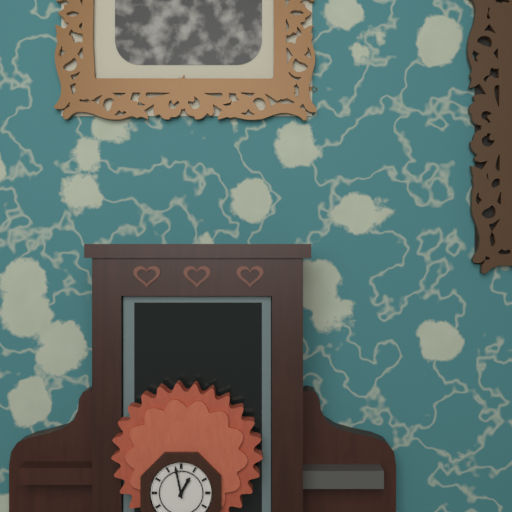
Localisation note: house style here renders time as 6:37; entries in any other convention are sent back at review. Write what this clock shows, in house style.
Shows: 12:58
